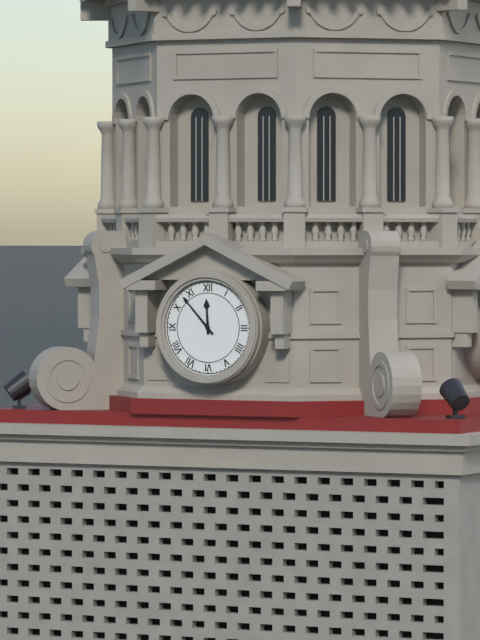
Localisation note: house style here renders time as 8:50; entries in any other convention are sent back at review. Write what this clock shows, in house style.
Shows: 11:53
